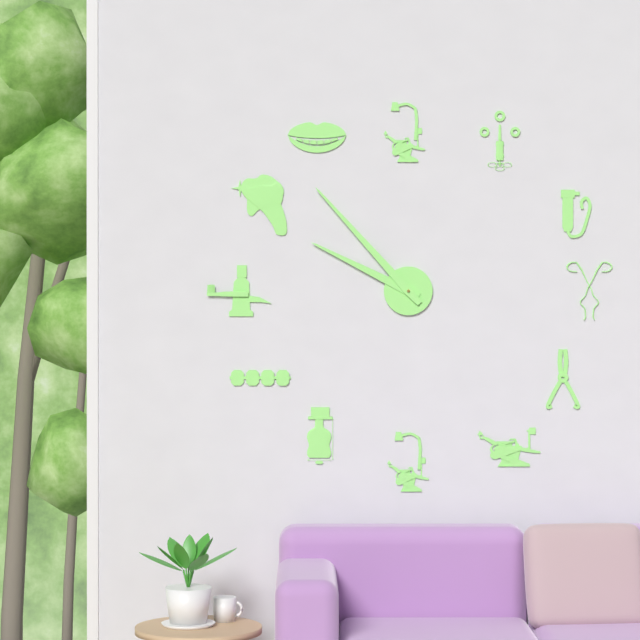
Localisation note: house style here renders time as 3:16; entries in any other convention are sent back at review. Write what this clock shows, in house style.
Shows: 9:53
